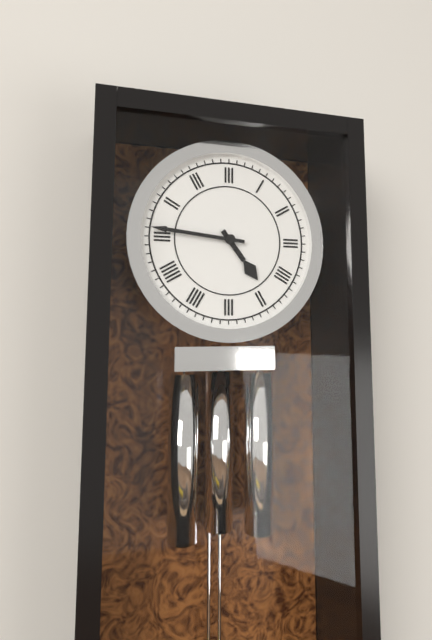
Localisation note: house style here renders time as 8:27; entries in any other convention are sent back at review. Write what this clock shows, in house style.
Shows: 4:46
